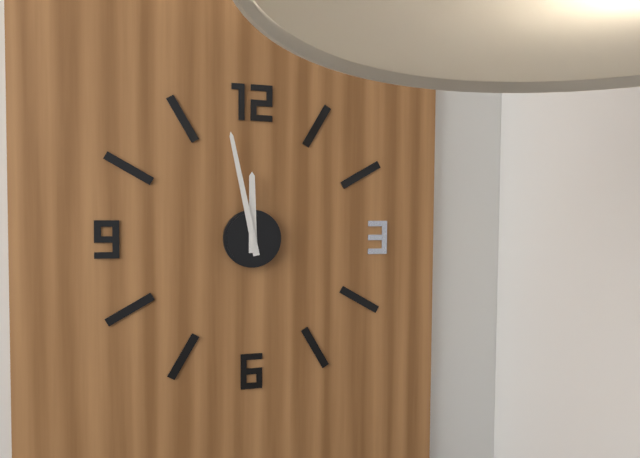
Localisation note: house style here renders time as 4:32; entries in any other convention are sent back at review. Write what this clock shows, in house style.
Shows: 11:58
